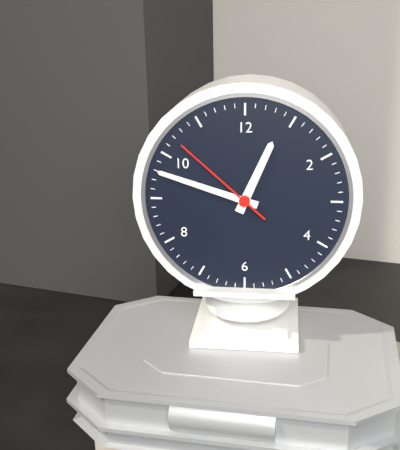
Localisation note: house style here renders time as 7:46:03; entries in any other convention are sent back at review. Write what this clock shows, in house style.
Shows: 12:48:52
